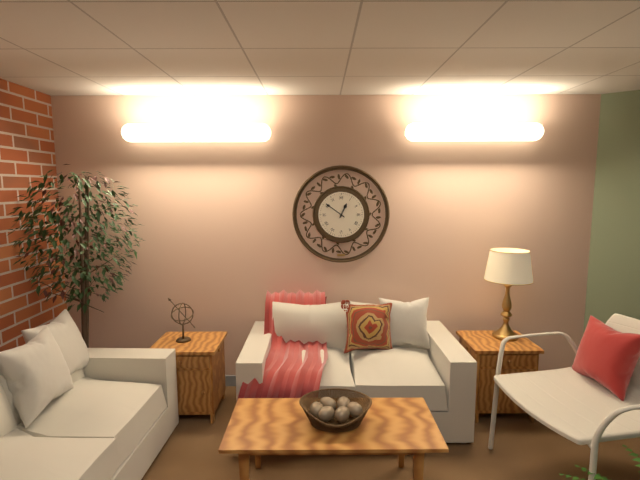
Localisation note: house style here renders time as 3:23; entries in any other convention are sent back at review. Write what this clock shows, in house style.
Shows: 12:51
